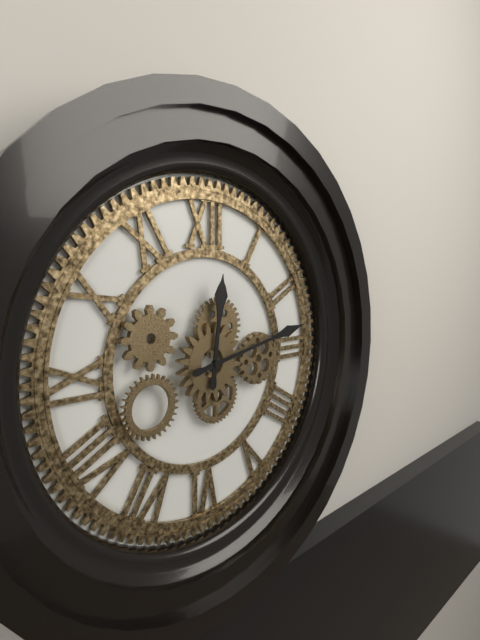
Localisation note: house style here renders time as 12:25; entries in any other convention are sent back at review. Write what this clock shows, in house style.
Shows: 12:13
